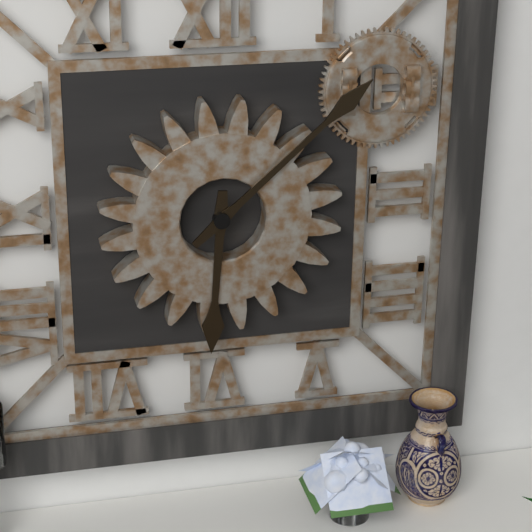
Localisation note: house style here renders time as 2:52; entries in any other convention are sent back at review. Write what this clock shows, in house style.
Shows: 6:08
